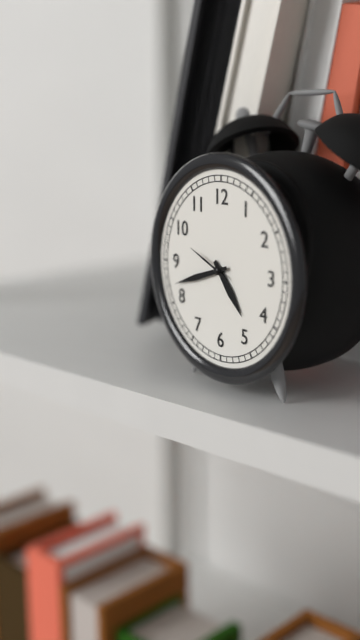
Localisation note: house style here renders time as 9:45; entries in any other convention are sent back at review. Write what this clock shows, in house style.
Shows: 4:42
